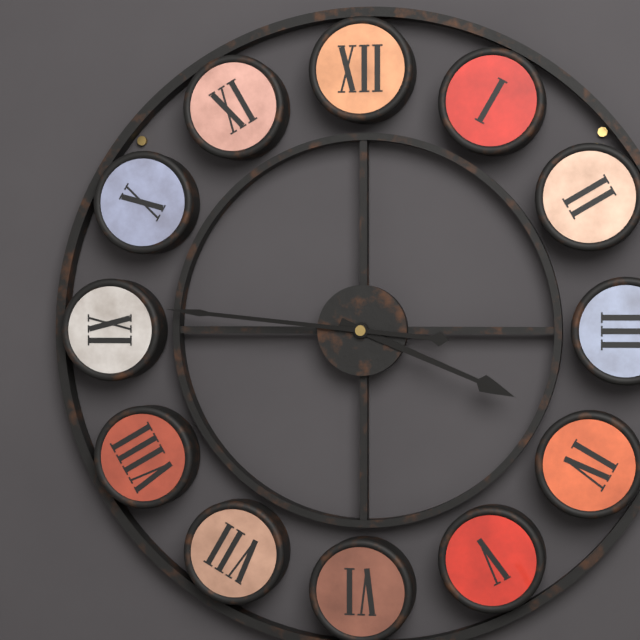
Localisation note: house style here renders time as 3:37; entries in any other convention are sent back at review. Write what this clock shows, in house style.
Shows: 3:46
